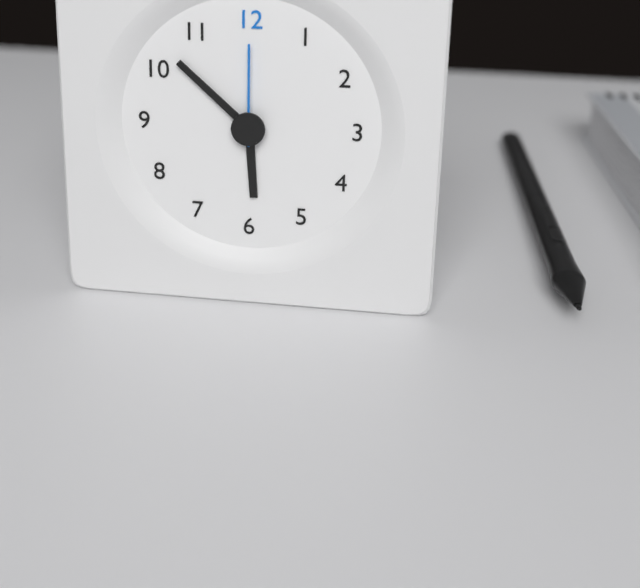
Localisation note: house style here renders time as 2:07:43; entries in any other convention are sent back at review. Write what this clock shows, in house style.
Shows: 5:52:00
